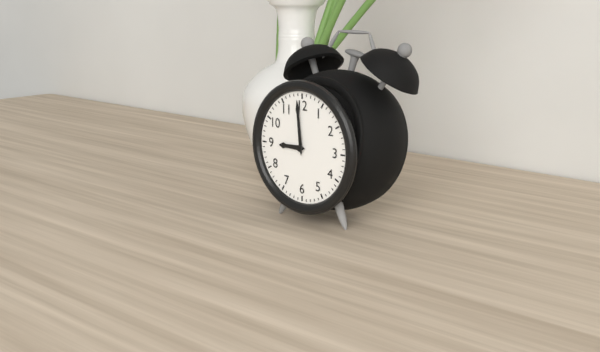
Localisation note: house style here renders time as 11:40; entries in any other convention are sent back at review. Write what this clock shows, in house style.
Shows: 8:59
